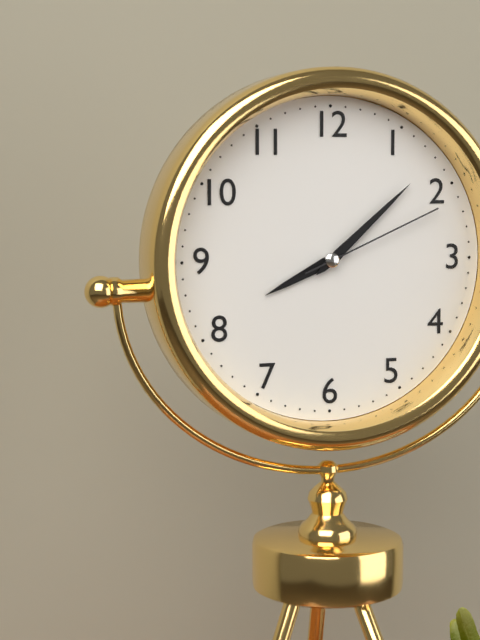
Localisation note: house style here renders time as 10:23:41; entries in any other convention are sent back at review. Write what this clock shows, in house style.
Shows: 8:08:11
